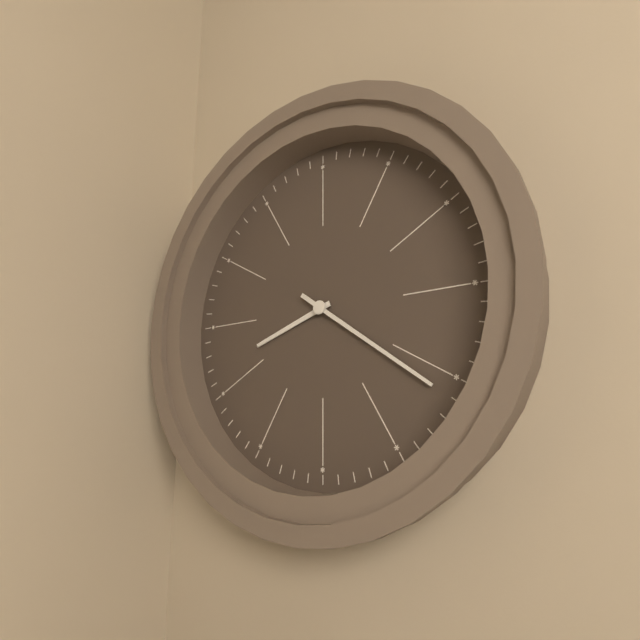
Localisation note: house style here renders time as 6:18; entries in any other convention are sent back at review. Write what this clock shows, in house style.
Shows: 8:21
